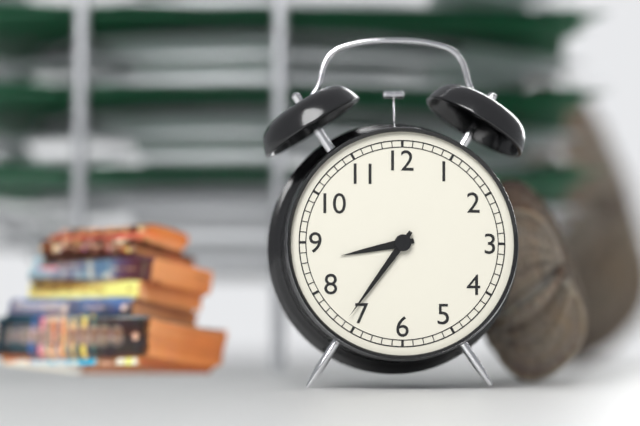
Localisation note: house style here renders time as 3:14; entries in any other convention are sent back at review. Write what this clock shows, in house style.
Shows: 8:36
